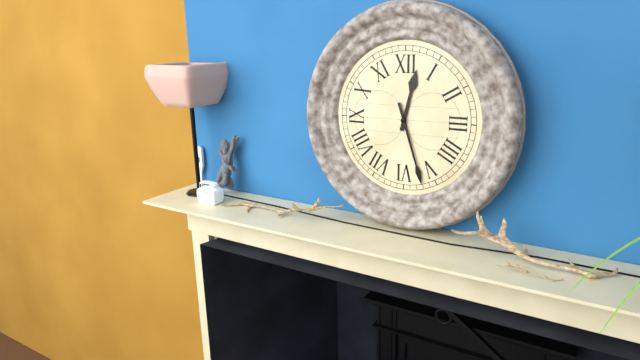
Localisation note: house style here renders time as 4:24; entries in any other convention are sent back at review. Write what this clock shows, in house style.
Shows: 12:27
